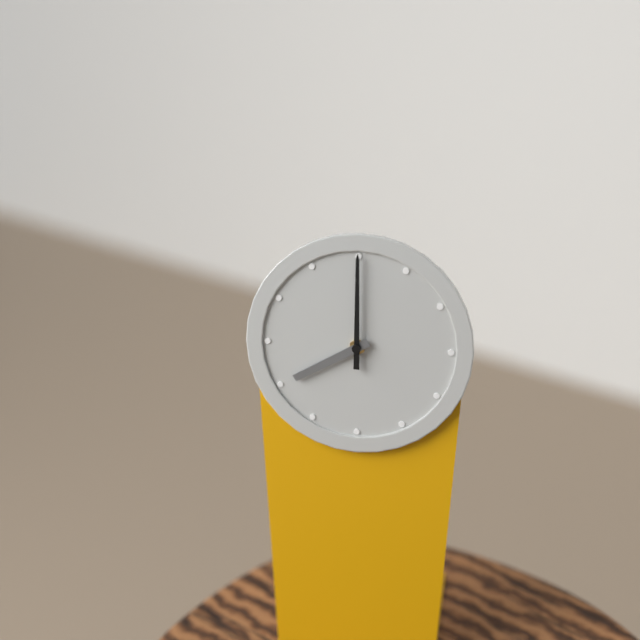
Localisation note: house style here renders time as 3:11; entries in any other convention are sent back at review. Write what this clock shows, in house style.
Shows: 8:00
